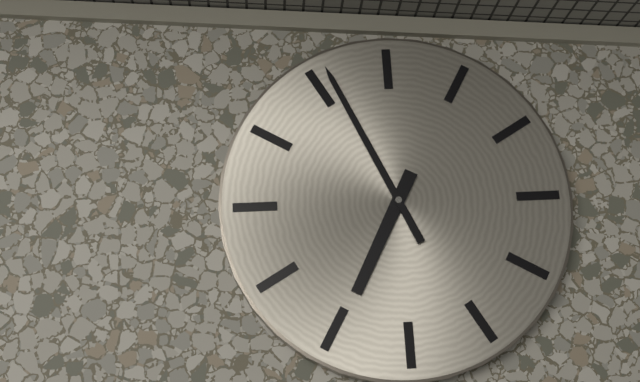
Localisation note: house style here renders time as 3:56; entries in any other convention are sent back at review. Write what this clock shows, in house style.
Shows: 6:56
